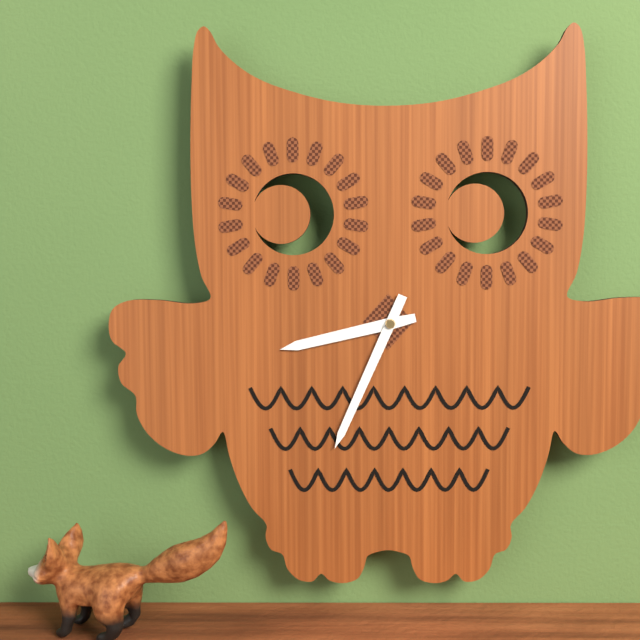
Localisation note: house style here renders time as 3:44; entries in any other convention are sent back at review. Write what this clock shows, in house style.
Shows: 8:34
